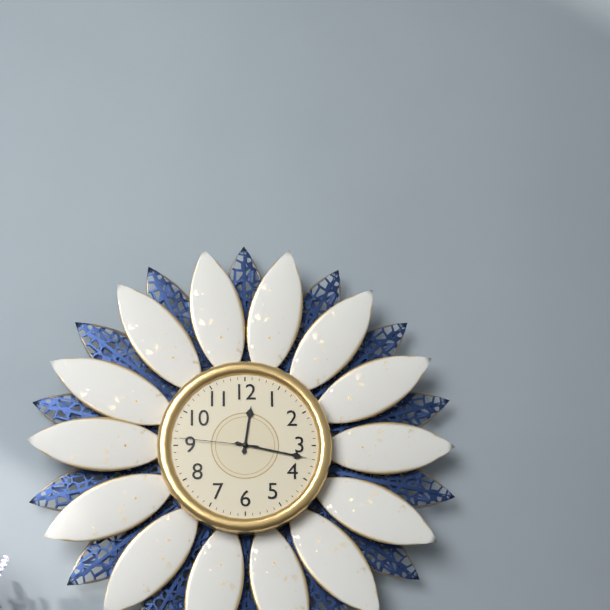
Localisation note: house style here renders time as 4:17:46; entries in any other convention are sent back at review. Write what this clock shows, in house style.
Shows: 12:17:46
